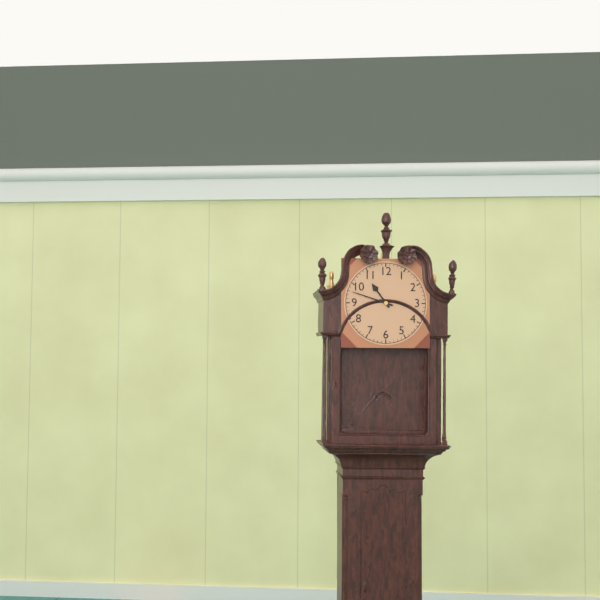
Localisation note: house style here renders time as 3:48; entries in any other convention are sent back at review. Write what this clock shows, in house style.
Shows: 10:48
